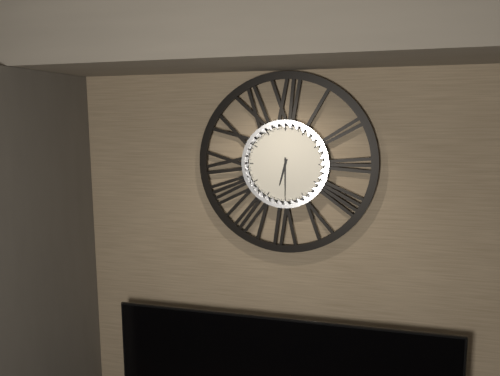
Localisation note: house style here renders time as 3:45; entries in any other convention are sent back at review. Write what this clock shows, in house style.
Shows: 6:30
